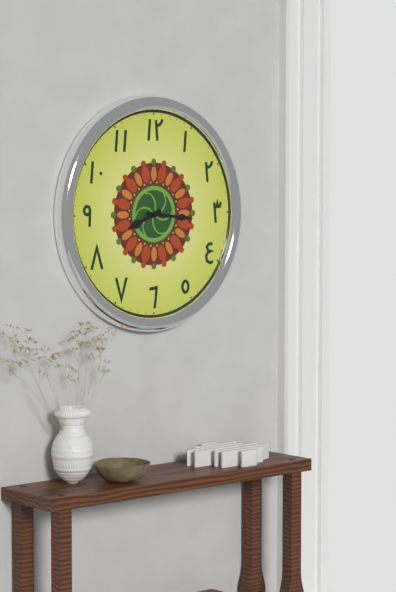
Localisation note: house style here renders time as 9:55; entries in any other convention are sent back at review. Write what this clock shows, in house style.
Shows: 8:16
